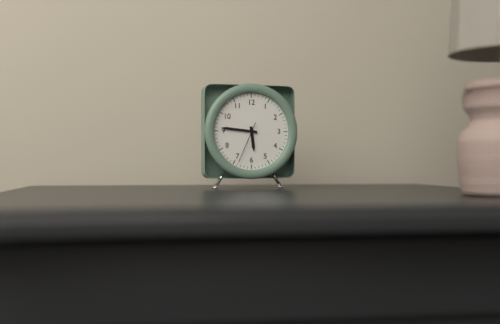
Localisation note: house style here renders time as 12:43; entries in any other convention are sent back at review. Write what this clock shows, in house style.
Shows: 5:46
